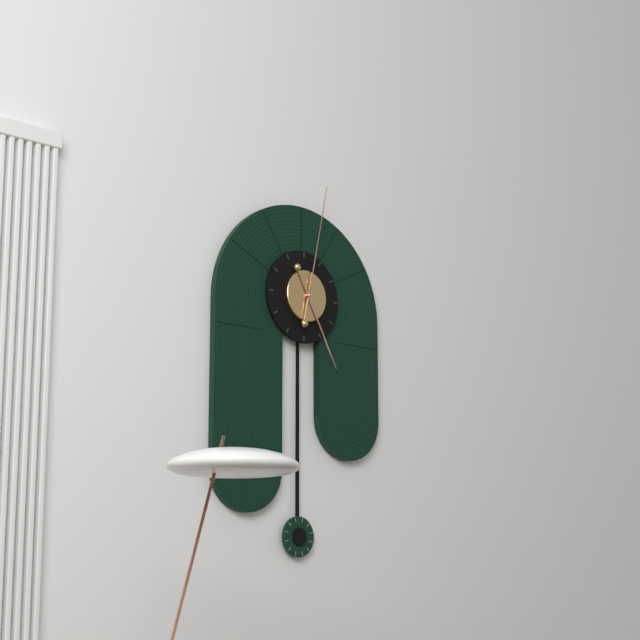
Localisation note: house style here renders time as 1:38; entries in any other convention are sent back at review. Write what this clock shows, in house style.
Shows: 5:02
